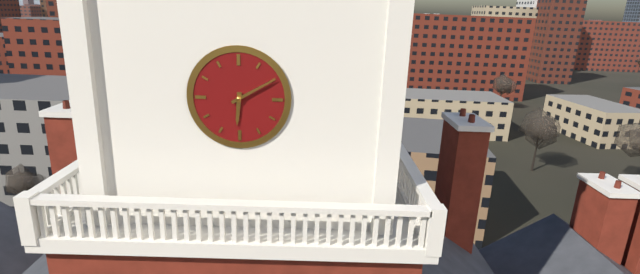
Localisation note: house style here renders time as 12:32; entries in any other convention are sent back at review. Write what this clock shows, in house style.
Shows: 6:10
